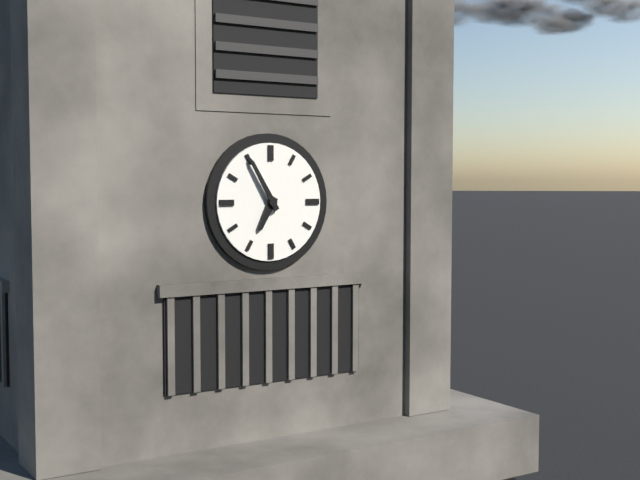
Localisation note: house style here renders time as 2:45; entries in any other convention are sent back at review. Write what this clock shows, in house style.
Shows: 6:55
